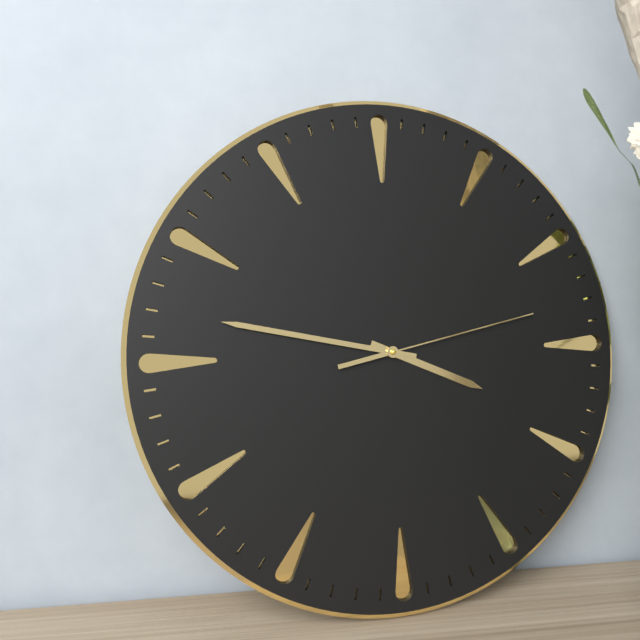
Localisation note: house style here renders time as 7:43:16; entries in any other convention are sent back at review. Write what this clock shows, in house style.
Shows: 3:47:13
